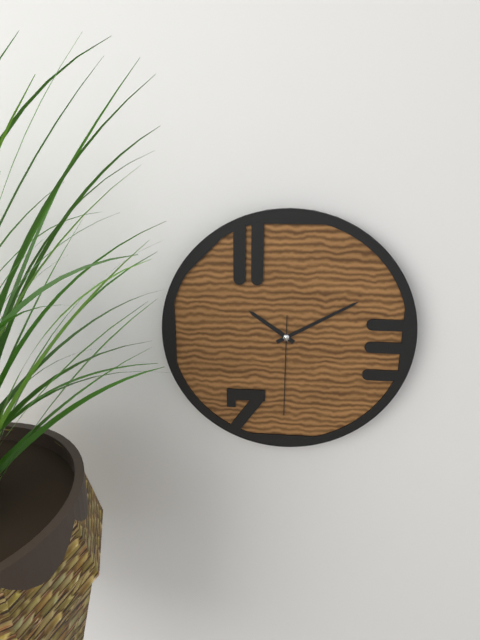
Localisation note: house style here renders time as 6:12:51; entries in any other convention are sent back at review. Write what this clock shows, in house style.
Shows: 10:10:30
